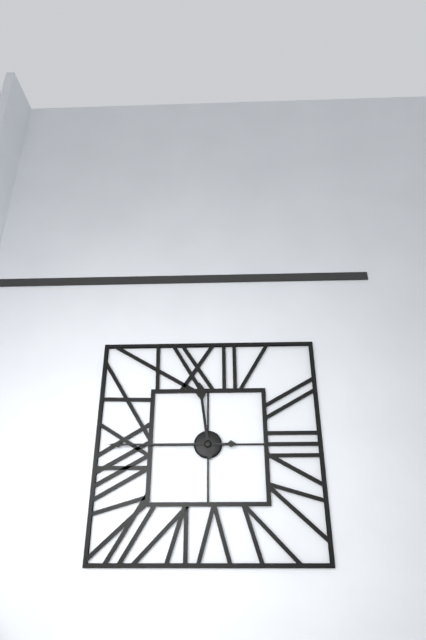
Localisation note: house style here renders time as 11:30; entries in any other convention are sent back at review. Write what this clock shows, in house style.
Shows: 11:45
